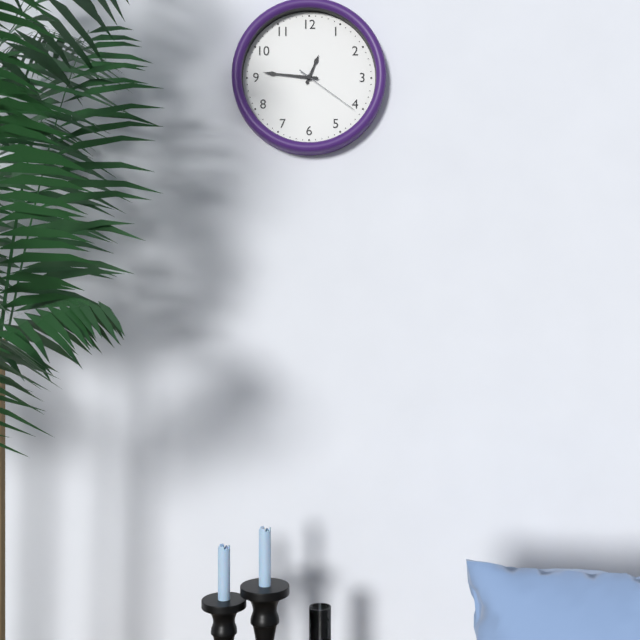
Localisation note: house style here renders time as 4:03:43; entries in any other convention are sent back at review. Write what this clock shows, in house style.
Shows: 12:46:21
